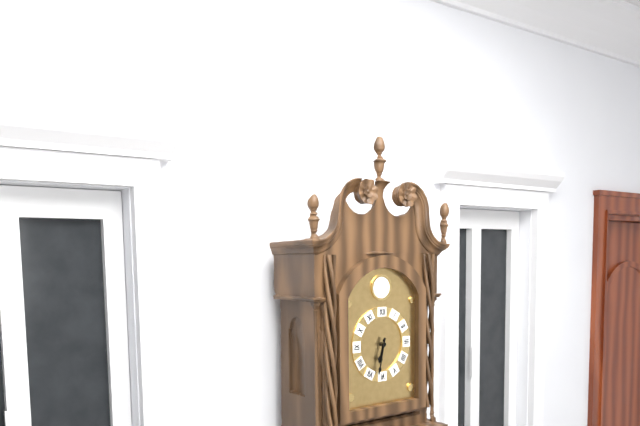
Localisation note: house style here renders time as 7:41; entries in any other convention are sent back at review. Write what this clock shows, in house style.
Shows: 6:32
